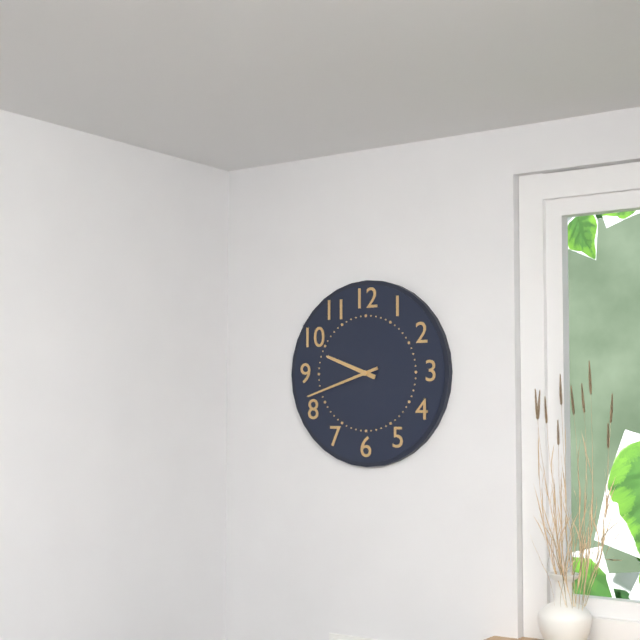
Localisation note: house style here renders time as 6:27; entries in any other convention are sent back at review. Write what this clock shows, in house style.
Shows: 9:42
